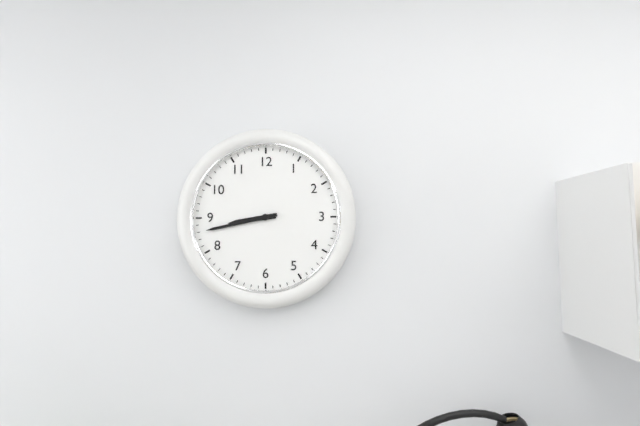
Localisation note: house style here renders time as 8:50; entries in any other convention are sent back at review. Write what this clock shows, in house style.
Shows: 8:43
